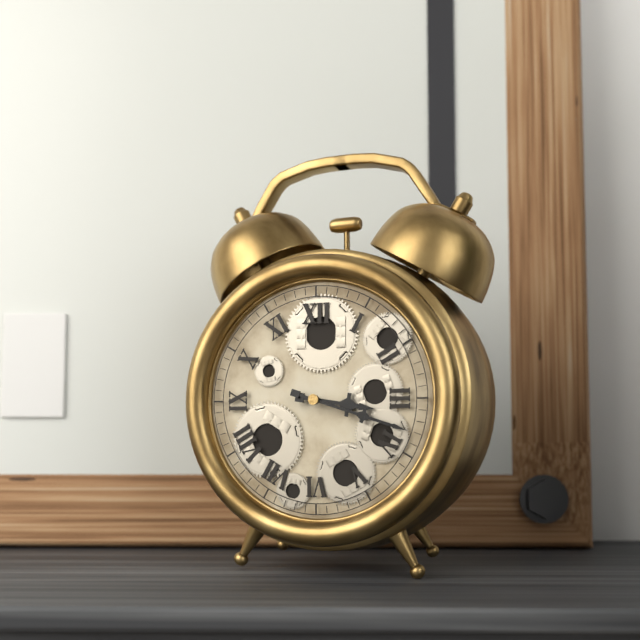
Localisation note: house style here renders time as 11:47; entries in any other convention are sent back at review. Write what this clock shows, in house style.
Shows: 3:18
